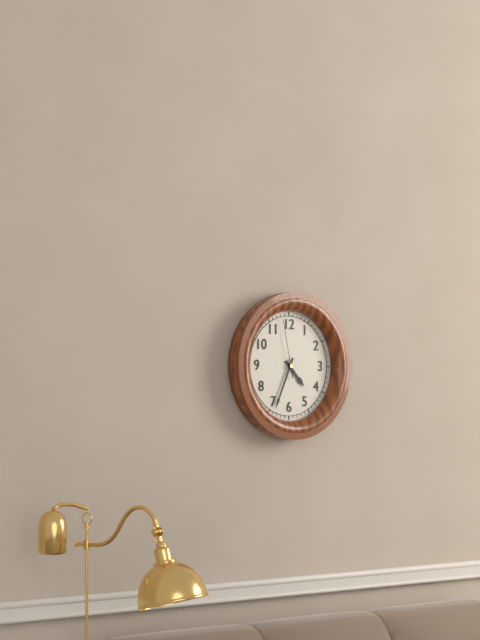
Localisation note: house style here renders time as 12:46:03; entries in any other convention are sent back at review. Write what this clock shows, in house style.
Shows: 4:34:58
